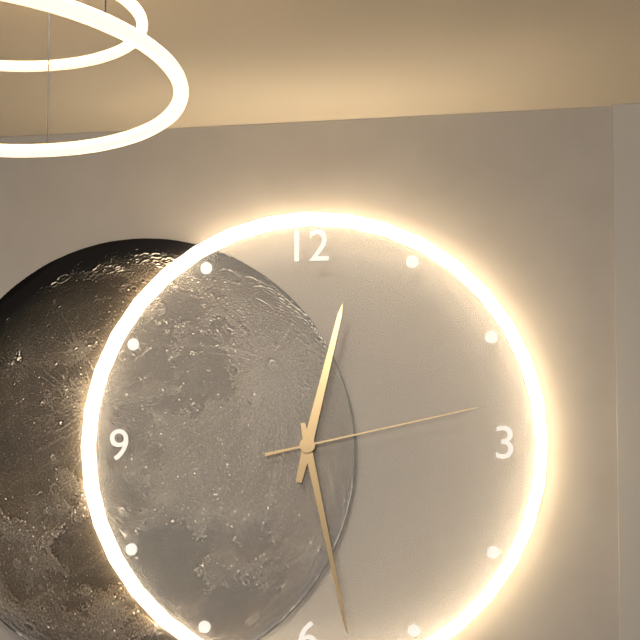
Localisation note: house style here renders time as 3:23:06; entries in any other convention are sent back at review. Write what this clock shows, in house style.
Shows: 12:28:13
